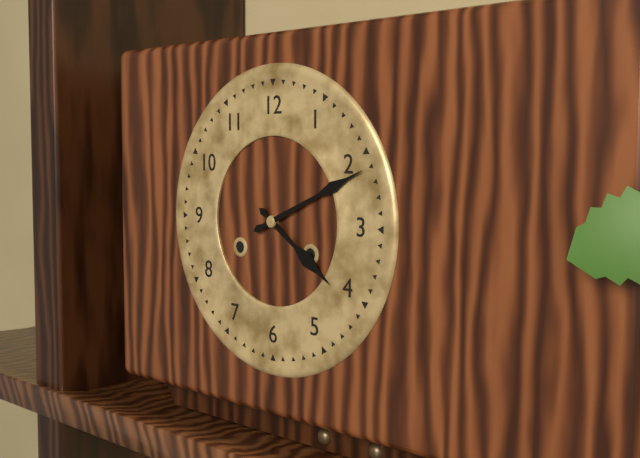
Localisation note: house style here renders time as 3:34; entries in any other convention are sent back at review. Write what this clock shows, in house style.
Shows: 4:11
